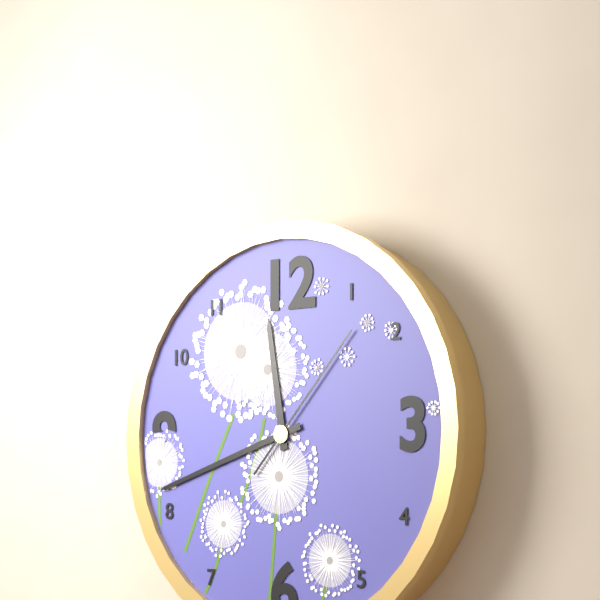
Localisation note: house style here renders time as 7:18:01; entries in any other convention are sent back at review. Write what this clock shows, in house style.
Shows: 11:42:07
